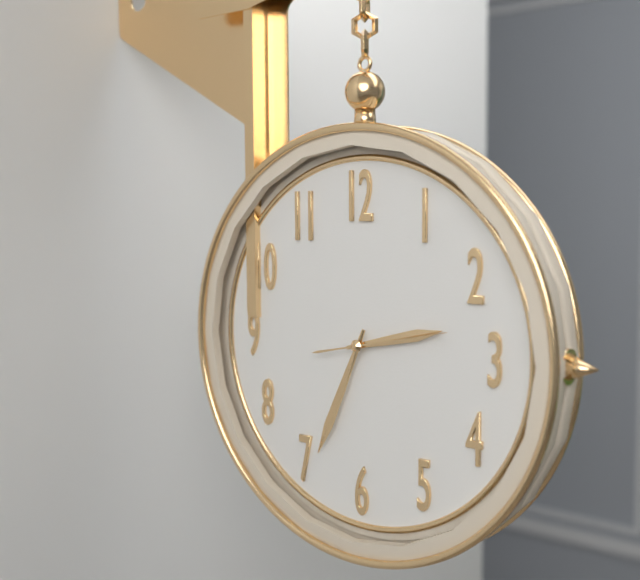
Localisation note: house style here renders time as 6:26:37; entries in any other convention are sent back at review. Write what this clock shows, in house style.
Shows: 2:34:13
